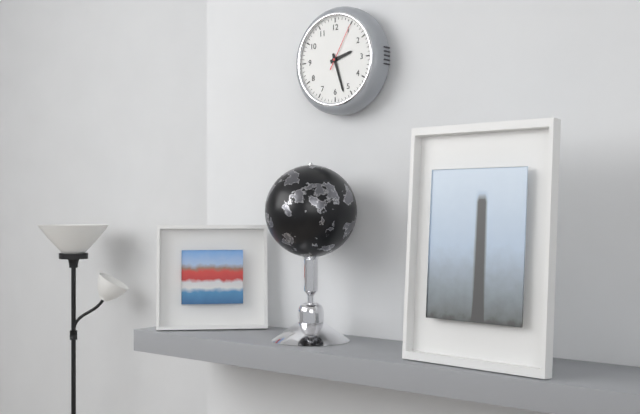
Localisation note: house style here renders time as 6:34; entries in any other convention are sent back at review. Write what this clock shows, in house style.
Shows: 2:27
